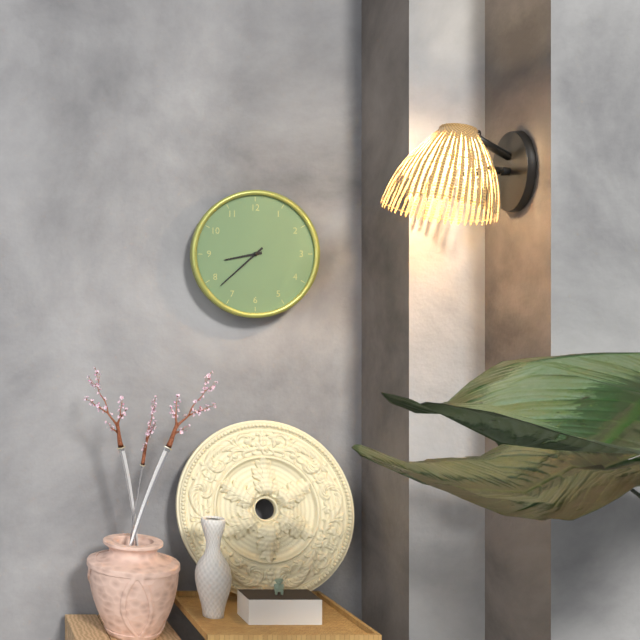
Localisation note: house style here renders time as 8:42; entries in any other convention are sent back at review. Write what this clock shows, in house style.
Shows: 8:38
